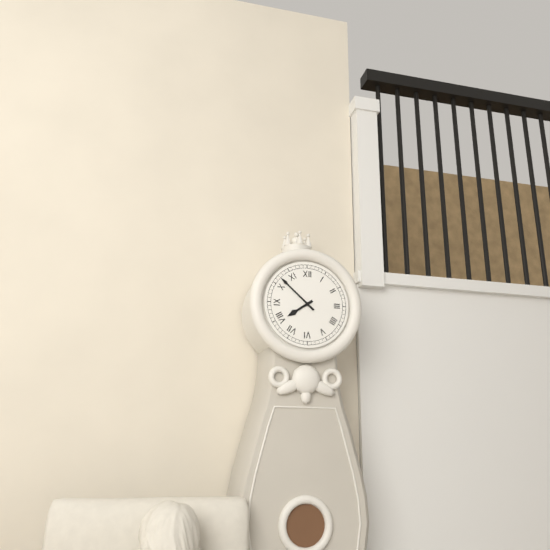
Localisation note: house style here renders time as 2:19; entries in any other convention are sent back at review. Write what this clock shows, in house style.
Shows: 7:52
